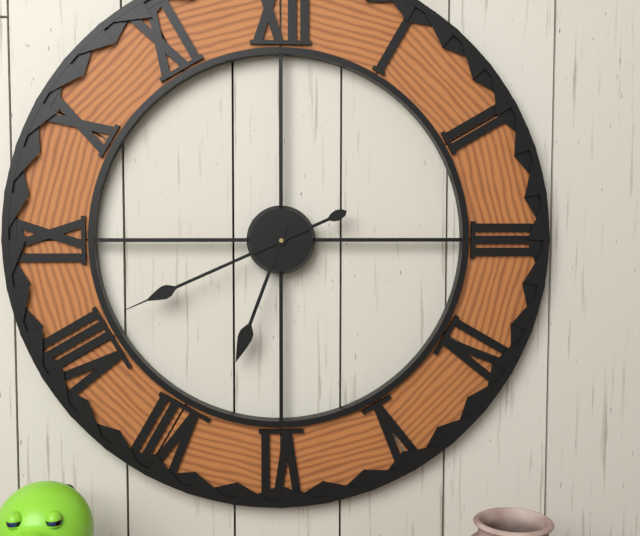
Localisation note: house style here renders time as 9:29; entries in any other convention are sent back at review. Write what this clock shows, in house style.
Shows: 6:41
